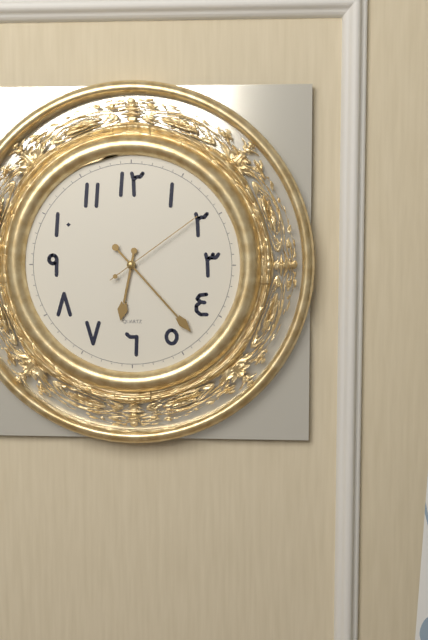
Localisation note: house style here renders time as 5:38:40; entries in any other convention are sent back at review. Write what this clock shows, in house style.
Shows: 6:23:09
